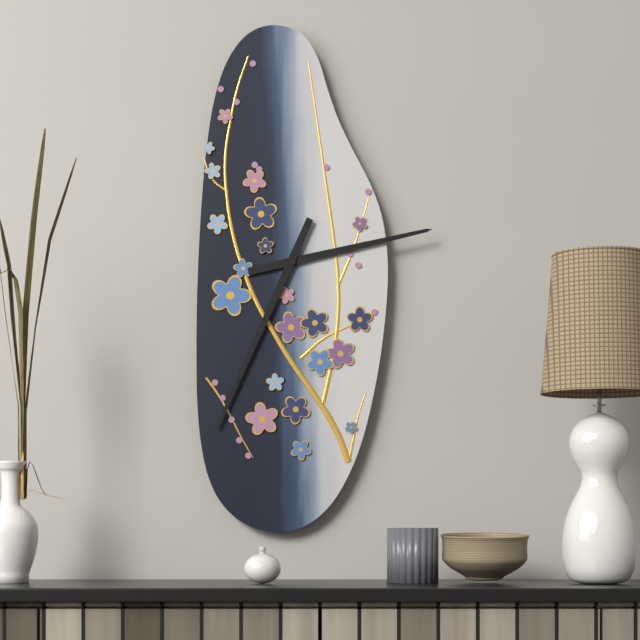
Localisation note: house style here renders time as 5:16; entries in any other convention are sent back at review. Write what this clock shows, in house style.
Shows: 2:34
